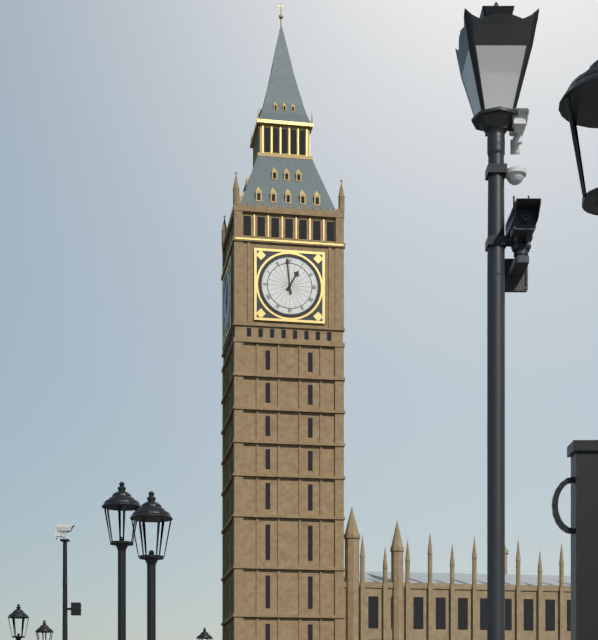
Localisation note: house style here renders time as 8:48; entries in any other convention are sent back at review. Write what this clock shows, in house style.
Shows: 12:59
